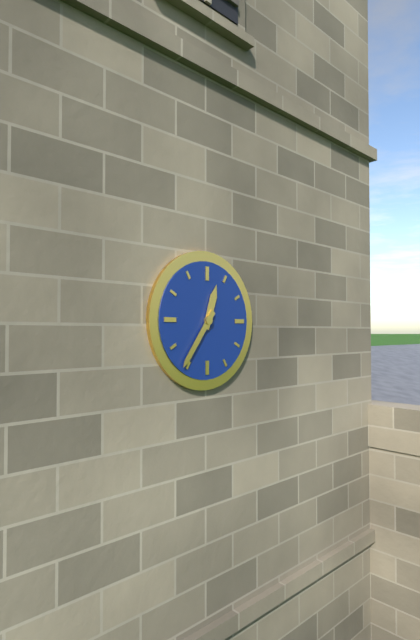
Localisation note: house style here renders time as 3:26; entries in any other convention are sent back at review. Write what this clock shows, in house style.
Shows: 12:36
